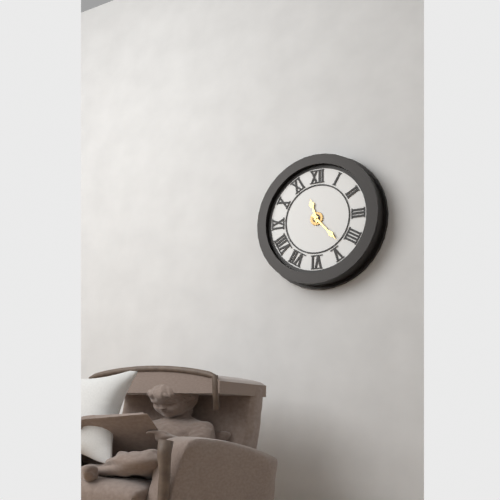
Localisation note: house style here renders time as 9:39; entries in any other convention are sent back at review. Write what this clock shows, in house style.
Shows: 11:23
